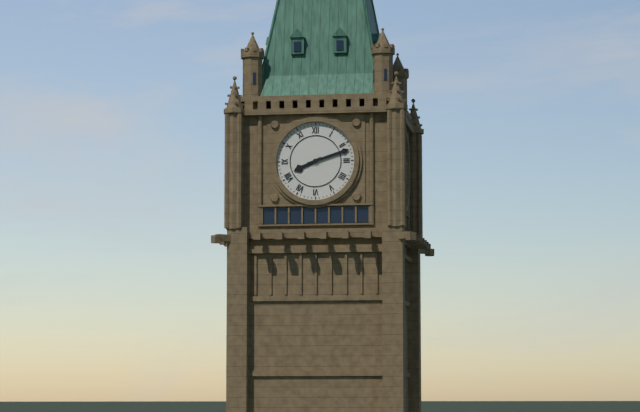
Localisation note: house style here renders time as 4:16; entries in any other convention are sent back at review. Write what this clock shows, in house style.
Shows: 8:12
